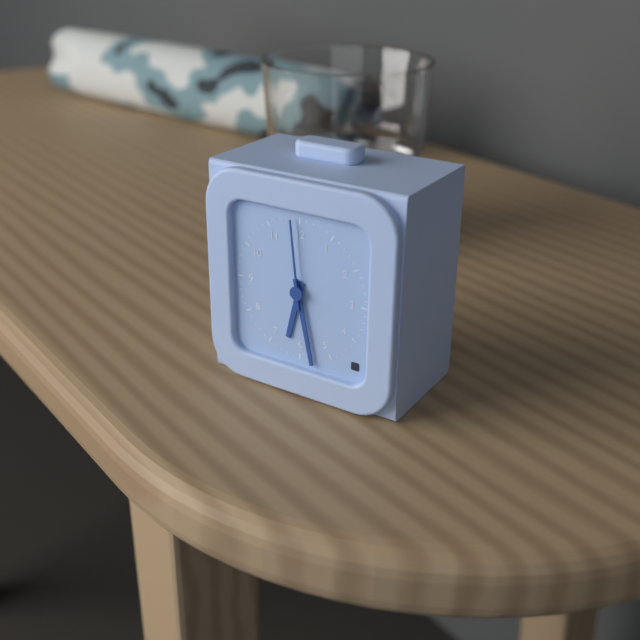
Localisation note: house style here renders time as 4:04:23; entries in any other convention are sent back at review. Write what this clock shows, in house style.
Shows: 6:28:59
